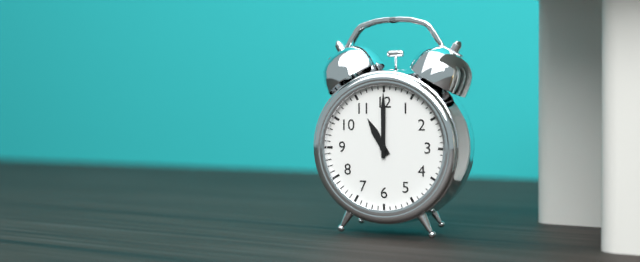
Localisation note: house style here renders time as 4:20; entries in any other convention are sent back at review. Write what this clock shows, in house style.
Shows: 11:00
